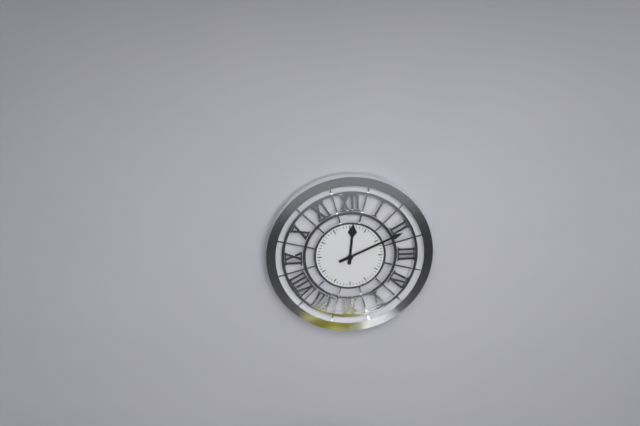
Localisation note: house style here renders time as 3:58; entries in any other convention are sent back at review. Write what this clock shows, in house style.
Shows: 12:11
